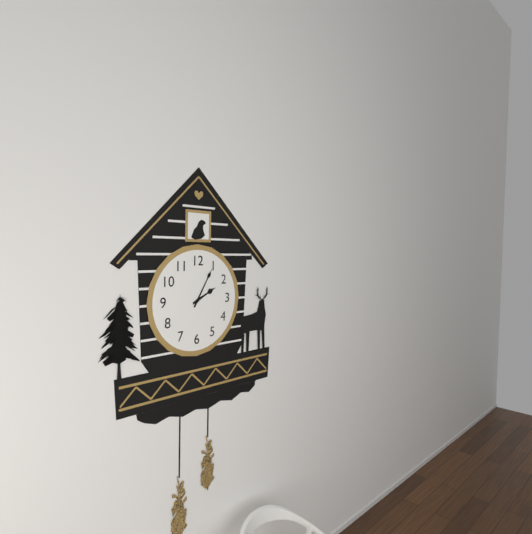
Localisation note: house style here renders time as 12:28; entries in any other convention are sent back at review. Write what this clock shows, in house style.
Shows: 2:05
